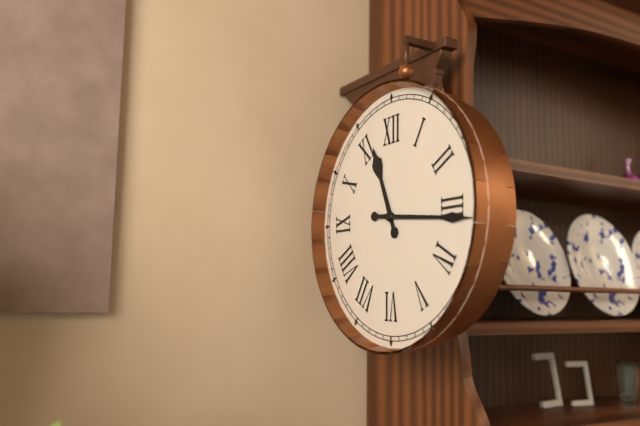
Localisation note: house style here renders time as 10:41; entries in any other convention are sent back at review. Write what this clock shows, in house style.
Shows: 11:16
